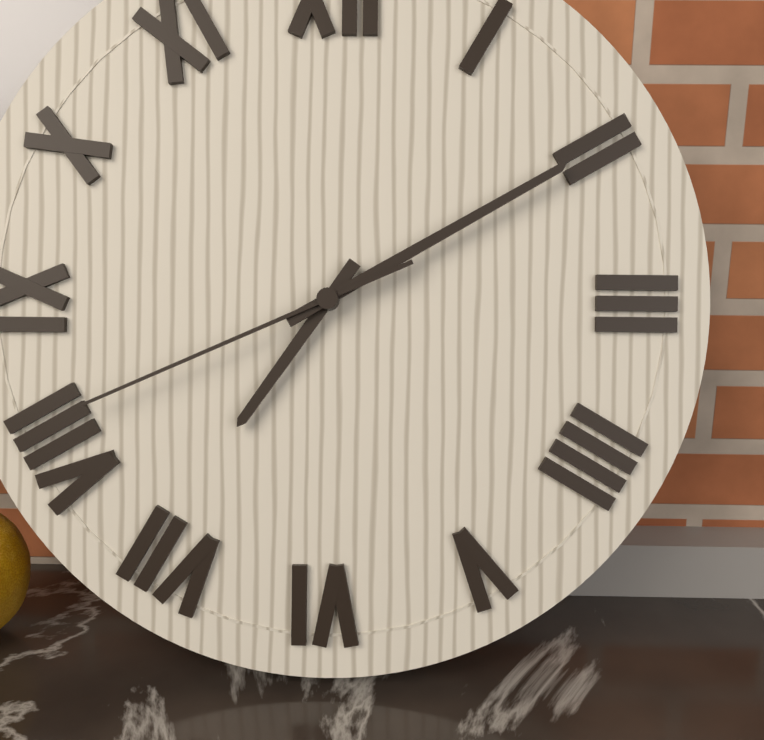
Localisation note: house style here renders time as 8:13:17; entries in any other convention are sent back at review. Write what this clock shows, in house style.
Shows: 7:10:41
